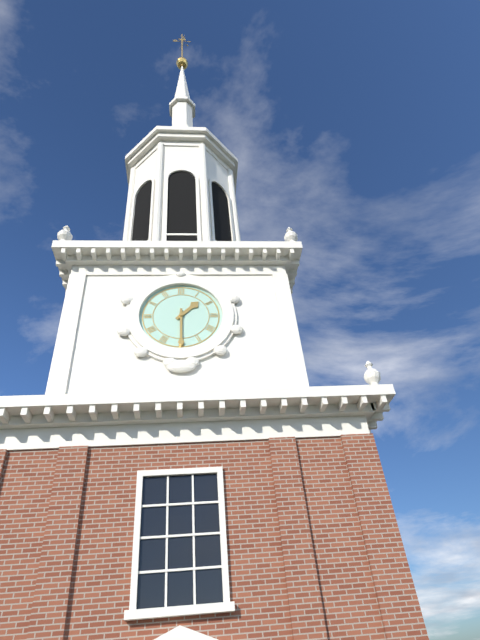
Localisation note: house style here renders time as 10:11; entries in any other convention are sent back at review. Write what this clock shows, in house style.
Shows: 1:30
